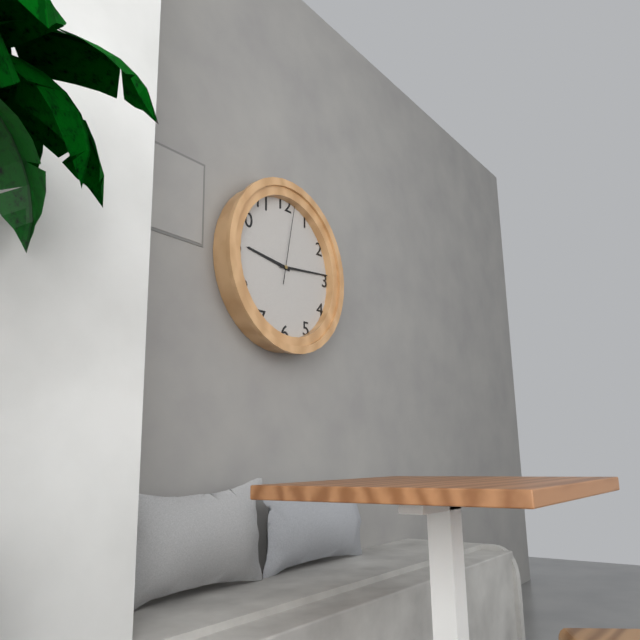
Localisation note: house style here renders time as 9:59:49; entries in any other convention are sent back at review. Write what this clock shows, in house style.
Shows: 9:14:02
